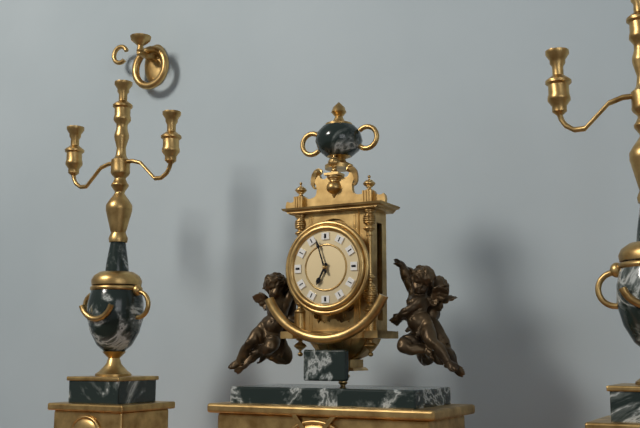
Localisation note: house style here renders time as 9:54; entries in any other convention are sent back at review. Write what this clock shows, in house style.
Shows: 6:57
